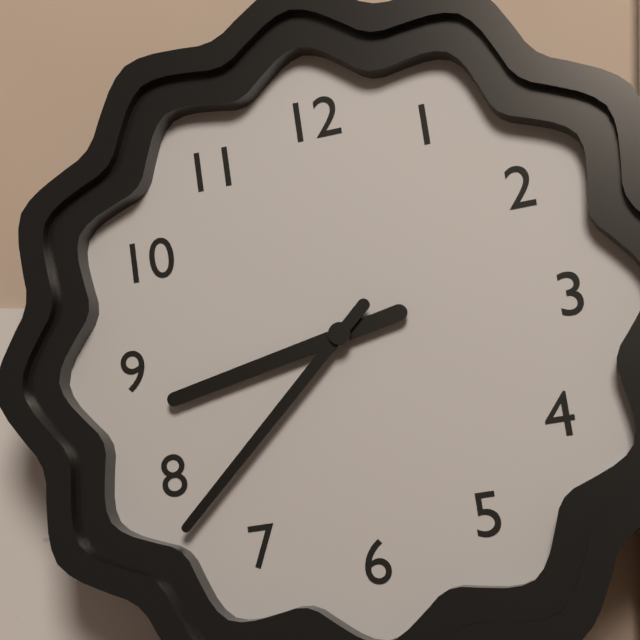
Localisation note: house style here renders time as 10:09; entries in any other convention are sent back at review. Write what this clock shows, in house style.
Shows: 8:38
